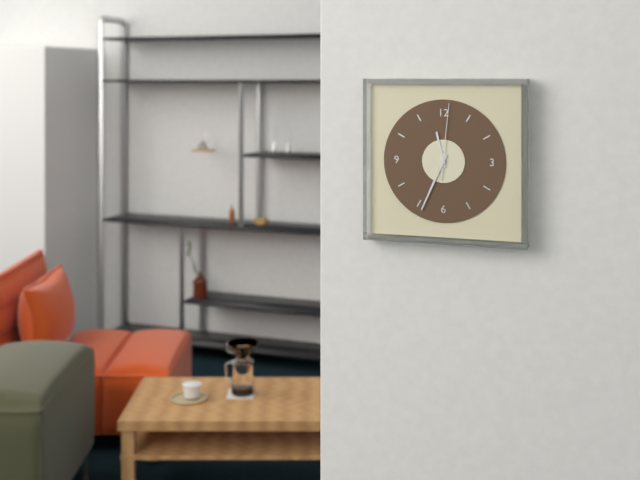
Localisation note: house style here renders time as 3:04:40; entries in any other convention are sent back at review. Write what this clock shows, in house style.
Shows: 11:34:01
